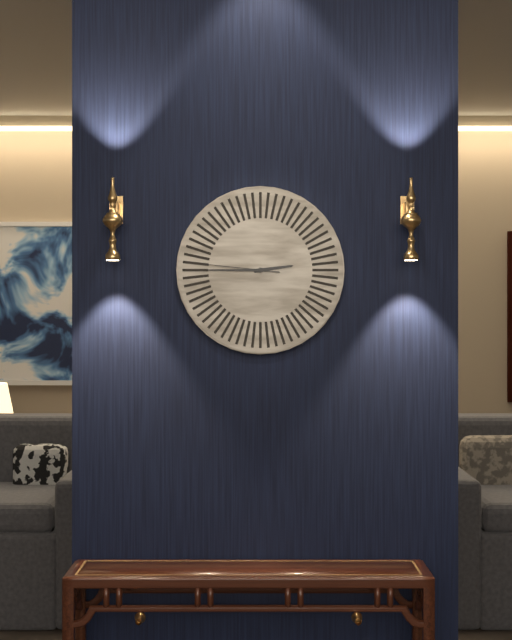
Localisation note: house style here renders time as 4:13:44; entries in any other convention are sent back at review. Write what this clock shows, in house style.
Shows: 2:45:46
